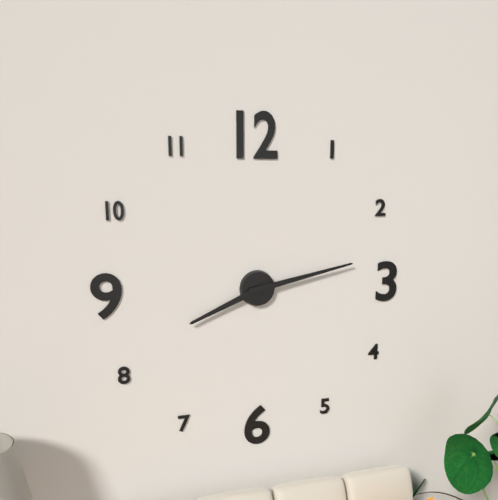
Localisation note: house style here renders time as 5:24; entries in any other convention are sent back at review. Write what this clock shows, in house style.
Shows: 8:13
